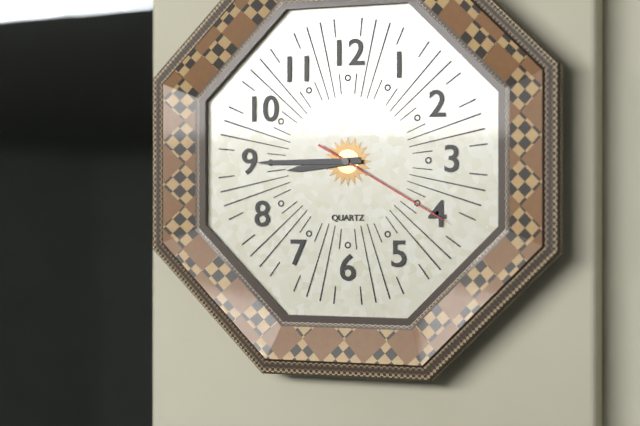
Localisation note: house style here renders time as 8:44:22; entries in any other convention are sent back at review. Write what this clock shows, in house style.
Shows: 8:45:20
